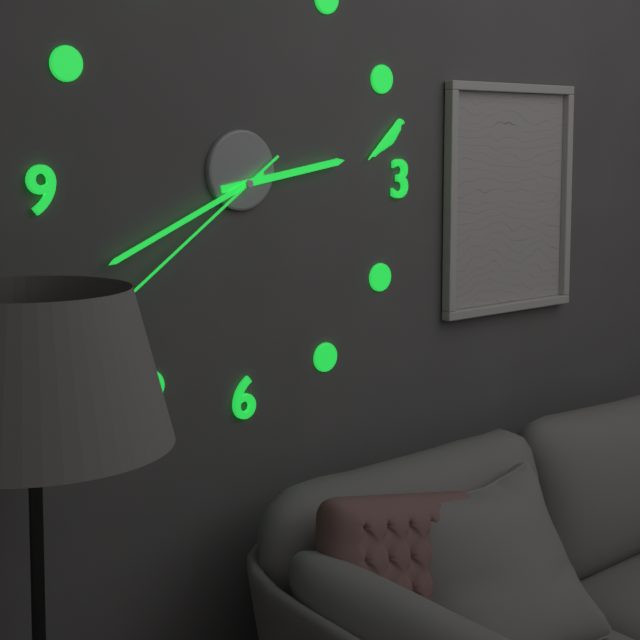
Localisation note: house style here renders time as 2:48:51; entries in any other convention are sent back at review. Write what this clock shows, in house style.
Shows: 2:41:39
